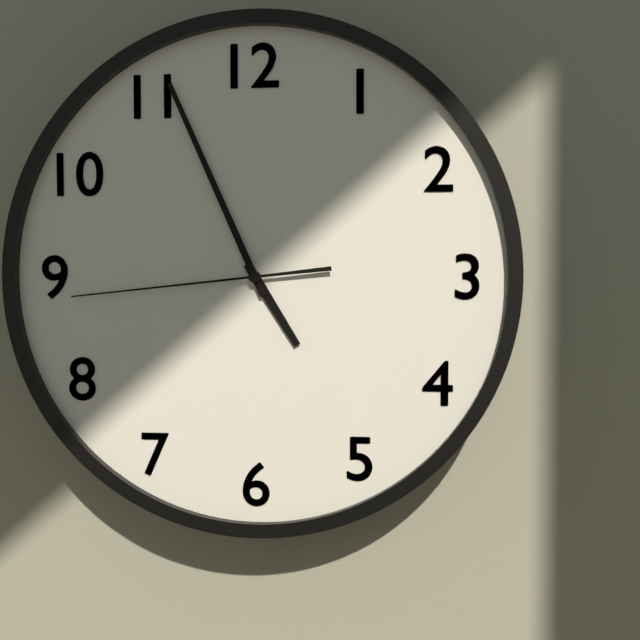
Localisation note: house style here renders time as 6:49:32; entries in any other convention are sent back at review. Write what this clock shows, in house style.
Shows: 4:56:44
